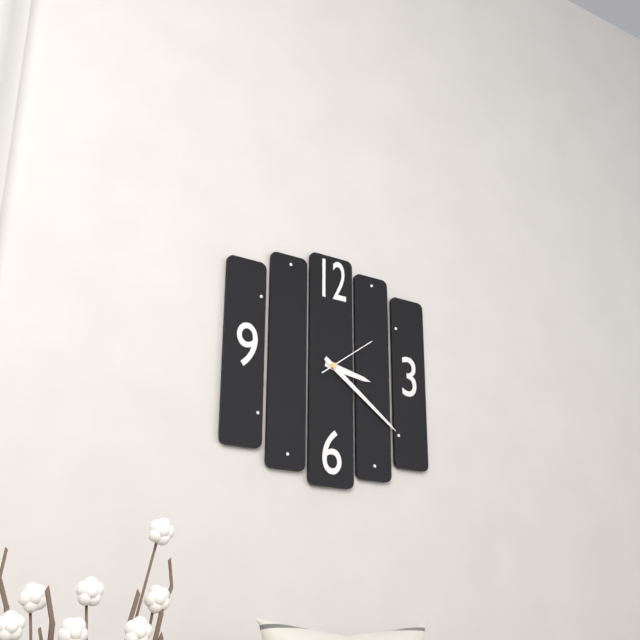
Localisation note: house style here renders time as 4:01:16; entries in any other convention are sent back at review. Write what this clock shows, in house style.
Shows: 3:21:09
